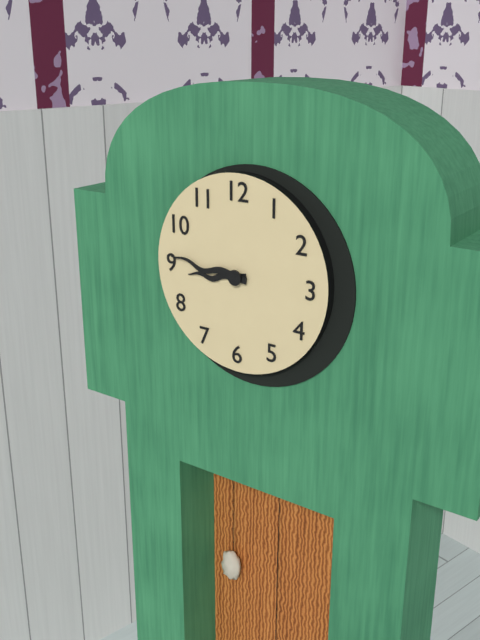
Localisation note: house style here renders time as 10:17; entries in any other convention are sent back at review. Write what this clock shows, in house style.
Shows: 8:46
